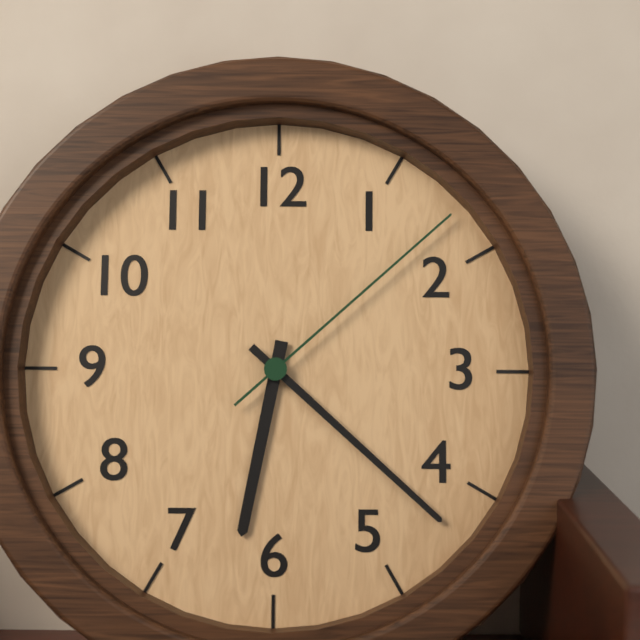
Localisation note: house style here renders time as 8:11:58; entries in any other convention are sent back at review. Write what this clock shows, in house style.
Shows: 6:22:08
